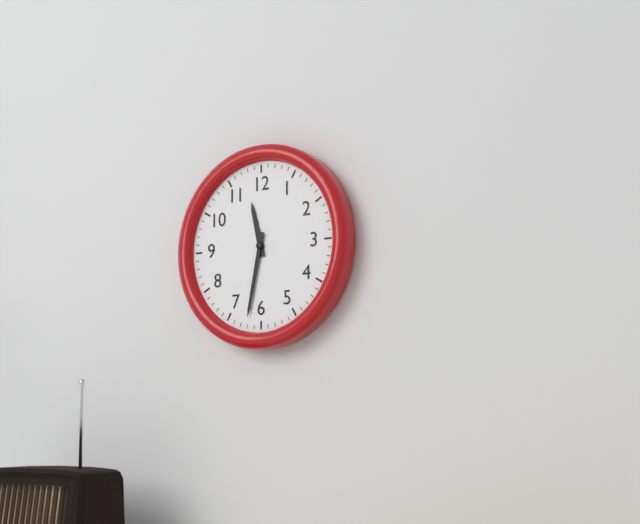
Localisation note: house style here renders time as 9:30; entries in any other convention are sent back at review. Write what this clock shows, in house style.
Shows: 11:32
